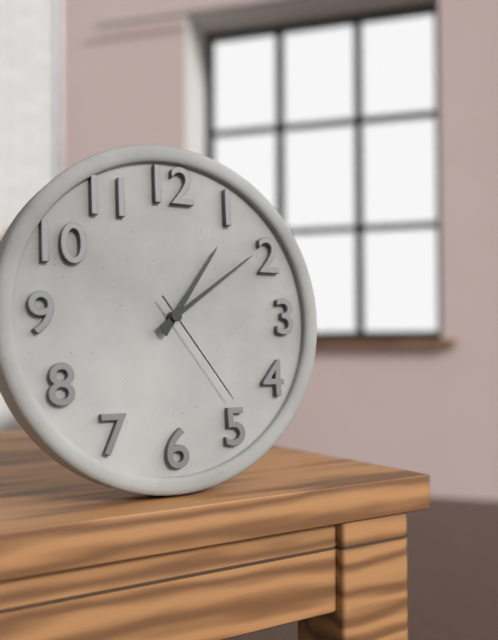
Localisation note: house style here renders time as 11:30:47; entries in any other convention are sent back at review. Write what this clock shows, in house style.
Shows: 1:09:24
